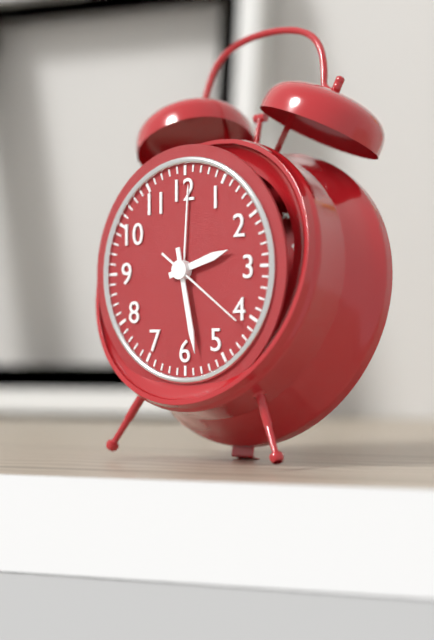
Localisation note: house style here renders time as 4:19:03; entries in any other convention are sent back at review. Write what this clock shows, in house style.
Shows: 2:28:21
